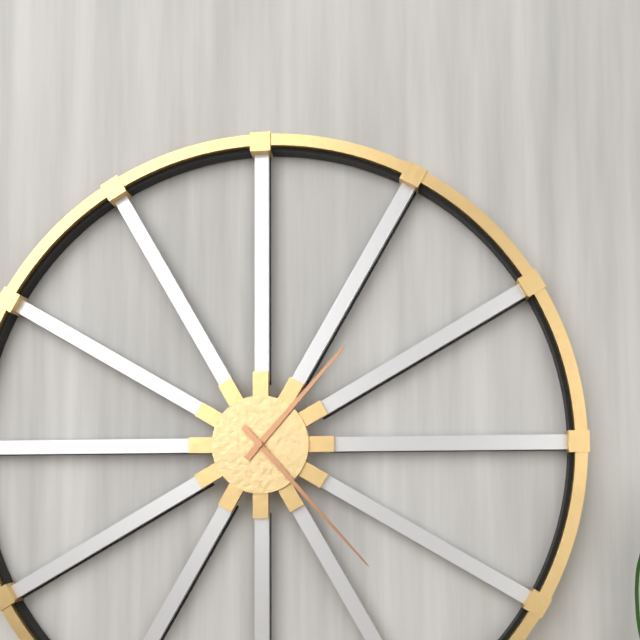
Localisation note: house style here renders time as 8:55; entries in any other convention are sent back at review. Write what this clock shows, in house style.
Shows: 1:23
